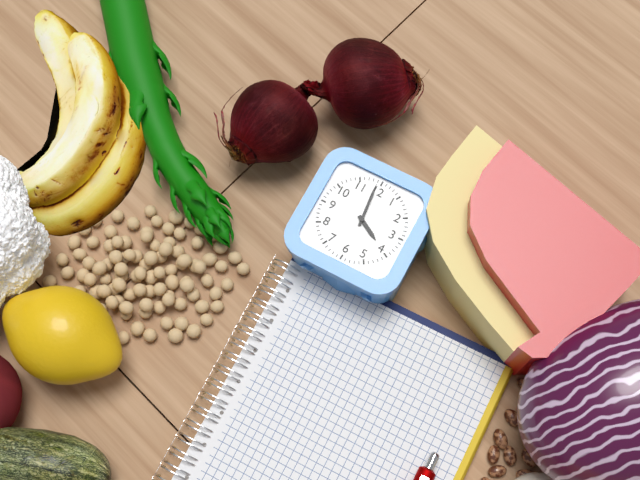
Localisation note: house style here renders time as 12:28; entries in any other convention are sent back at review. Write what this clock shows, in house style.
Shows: 3:59
